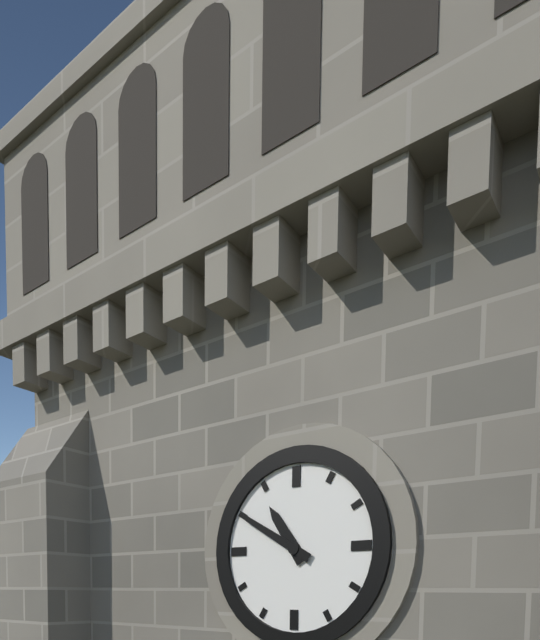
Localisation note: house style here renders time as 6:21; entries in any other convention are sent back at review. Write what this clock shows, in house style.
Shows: 10:50
